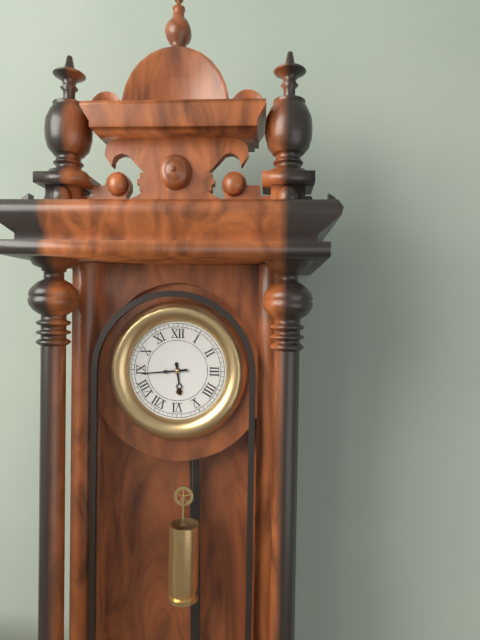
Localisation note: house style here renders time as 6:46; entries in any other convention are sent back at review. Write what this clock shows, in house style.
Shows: 5:44
